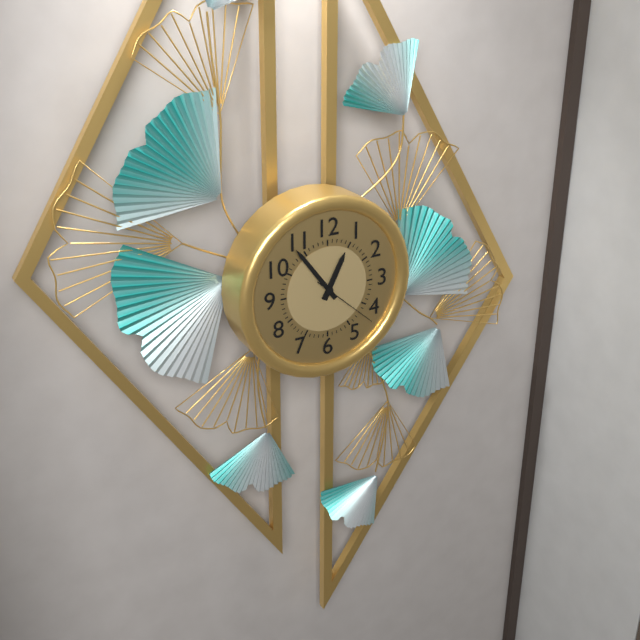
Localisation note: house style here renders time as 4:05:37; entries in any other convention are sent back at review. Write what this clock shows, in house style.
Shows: 12:54:22
